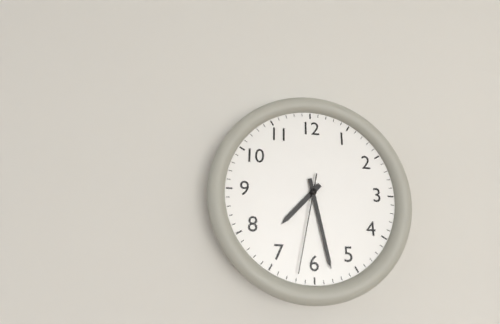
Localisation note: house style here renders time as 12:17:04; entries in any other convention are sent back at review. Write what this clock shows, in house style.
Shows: 7:28:32
